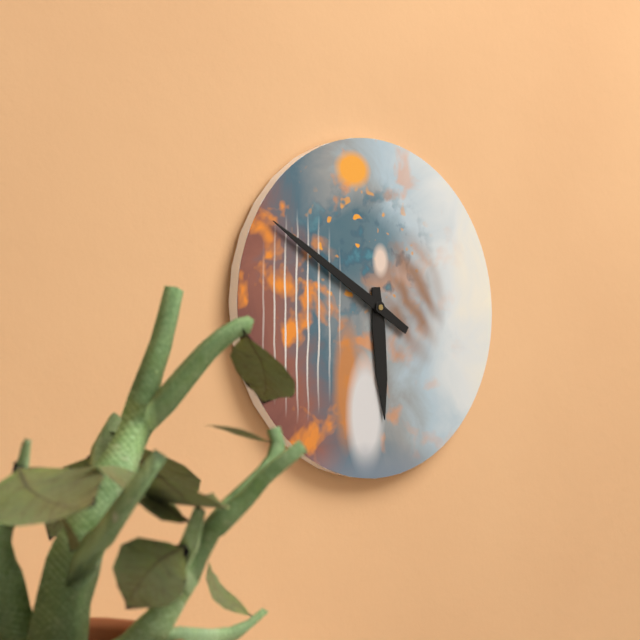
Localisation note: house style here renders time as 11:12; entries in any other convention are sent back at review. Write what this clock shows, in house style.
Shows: 5:50
